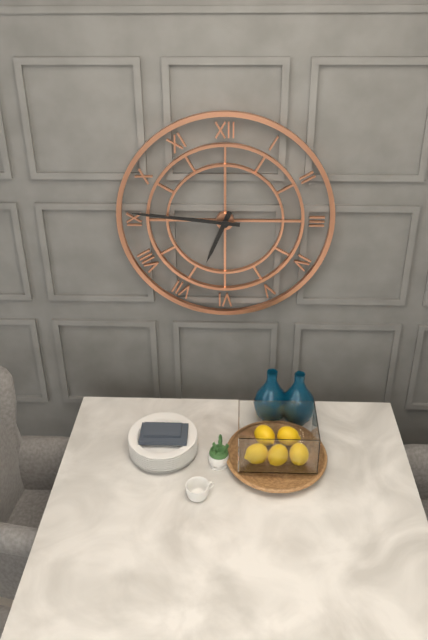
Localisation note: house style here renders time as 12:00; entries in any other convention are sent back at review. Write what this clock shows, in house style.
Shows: 6:46
